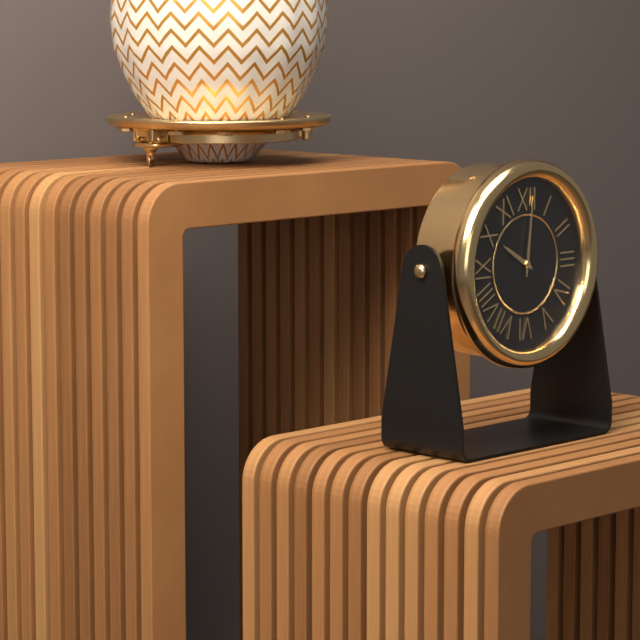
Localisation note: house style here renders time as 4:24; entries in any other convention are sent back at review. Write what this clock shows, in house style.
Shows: 10:01
